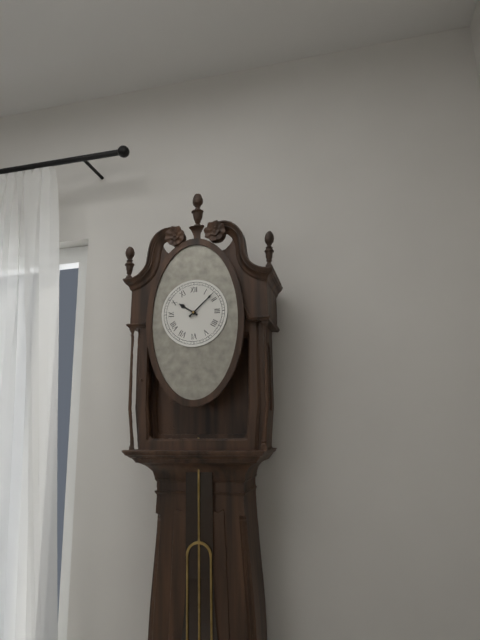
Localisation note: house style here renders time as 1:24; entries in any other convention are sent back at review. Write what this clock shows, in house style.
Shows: 10:08
